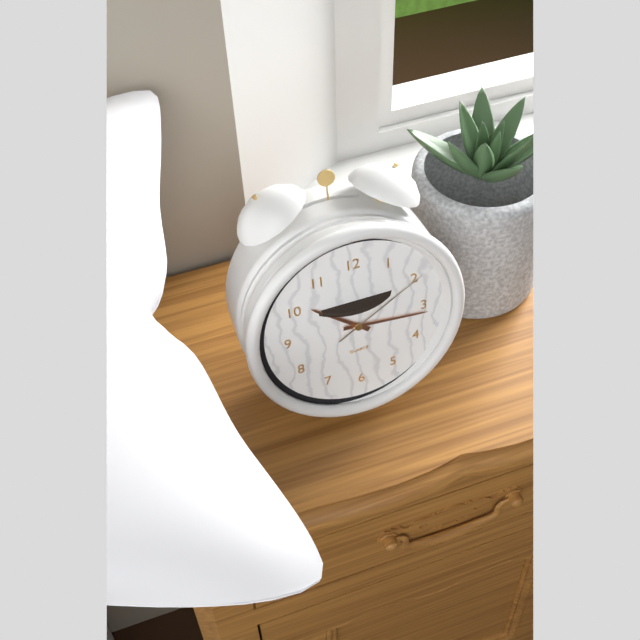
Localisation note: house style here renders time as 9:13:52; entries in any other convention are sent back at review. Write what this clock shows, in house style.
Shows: 10:16:10
